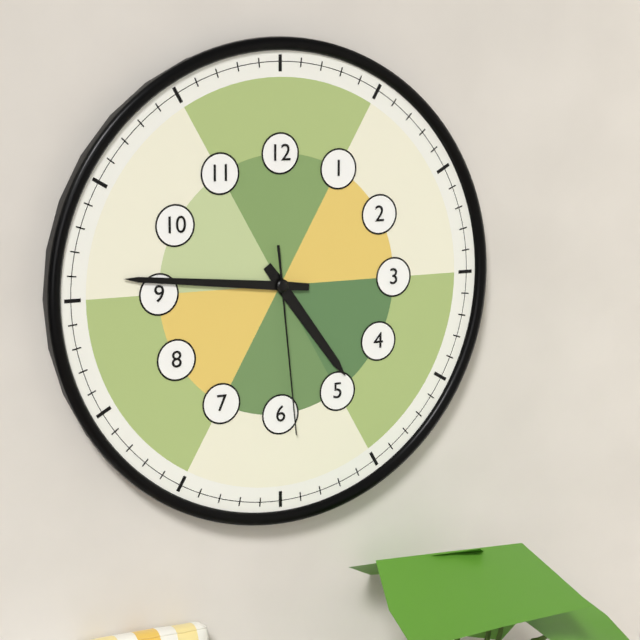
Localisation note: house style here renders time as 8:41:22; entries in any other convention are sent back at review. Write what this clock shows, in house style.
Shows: 4:46:29
